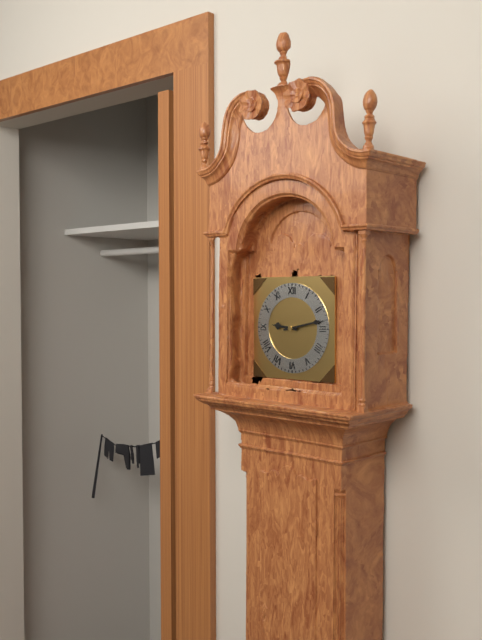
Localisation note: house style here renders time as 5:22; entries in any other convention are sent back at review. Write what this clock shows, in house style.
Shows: 9:13
